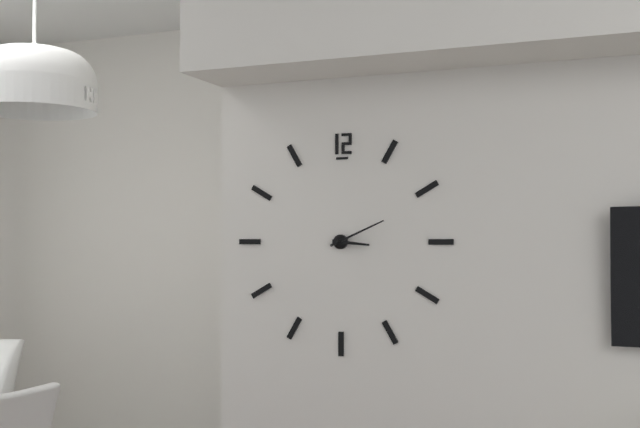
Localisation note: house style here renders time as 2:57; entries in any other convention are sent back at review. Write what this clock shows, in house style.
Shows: 3:11
